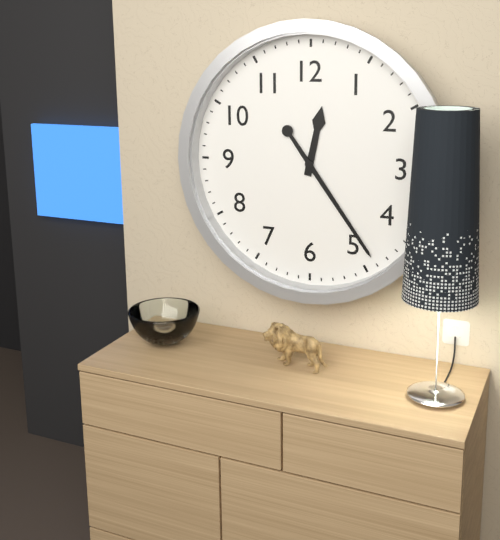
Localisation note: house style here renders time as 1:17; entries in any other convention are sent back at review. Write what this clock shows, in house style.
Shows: 12:24
